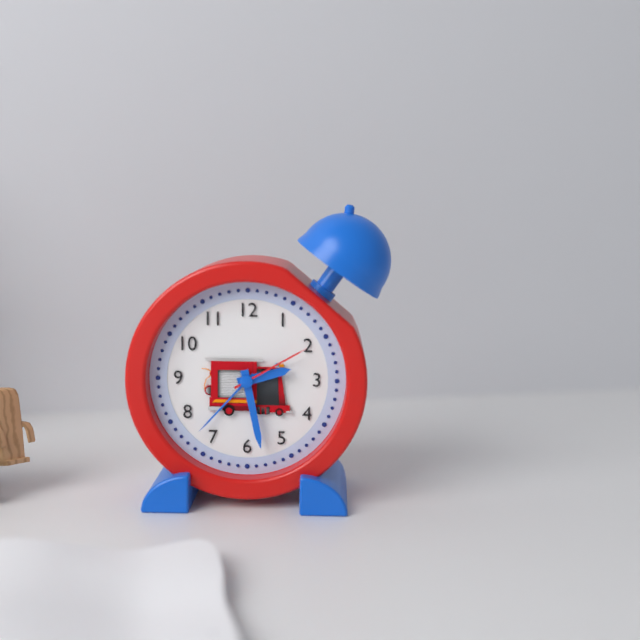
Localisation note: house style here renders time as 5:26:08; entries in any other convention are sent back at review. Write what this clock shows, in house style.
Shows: 2:28:10
